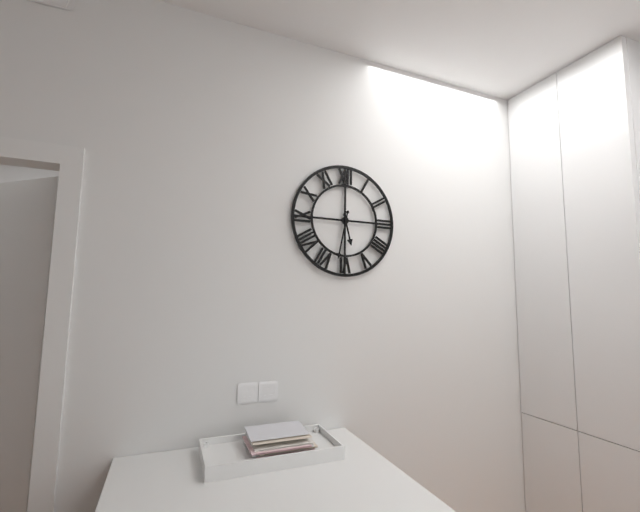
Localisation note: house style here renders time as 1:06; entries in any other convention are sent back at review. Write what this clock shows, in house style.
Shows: 5:32
